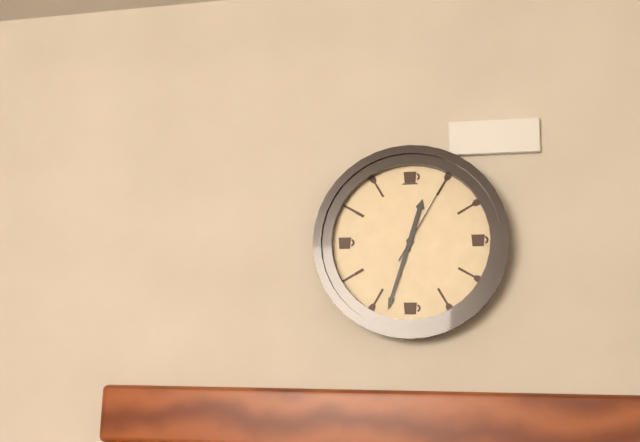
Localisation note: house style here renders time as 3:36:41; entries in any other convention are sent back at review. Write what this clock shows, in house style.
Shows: 12:33:05
